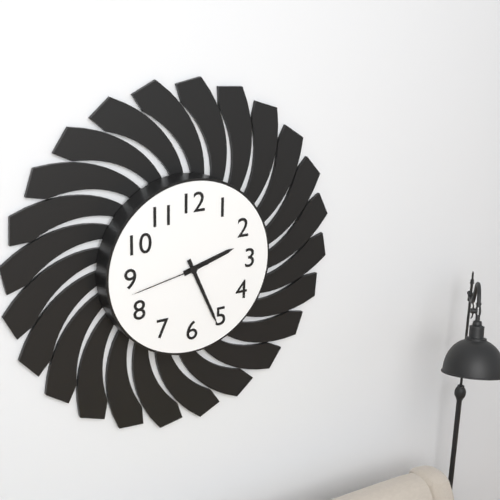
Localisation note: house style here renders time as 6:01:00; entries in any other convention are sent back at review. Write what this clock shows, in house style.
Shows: 2:26:43
